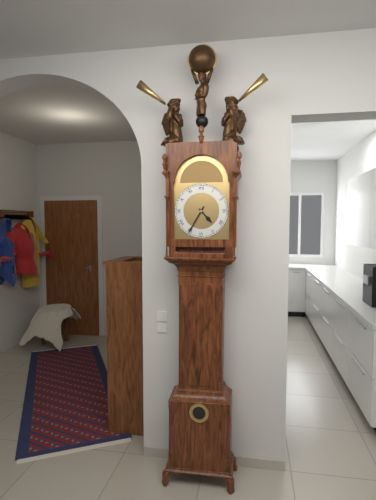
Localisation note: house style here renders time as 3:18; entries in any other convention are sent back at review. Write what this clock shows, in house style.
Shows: 4:35
